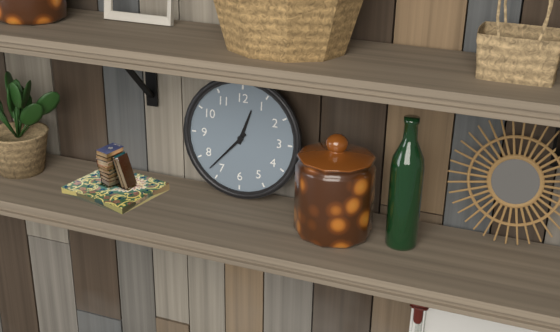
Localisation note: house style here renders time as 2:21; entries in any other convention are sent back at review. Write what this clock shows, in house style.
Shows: 12:37
